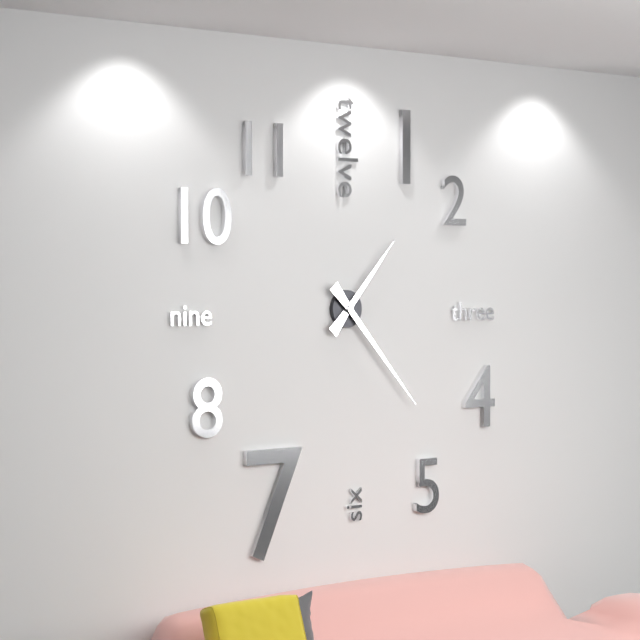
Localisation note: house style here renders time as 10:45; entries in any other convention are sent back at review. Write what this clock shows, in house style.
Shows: 1:23
